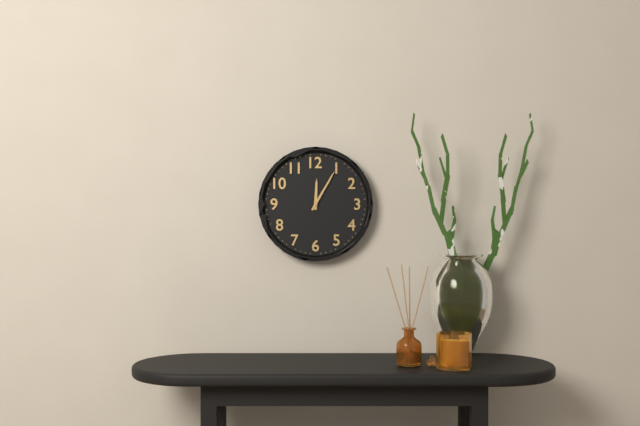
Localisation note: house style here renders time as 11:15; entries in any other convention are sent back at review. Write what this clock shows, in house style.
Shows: 12:05
